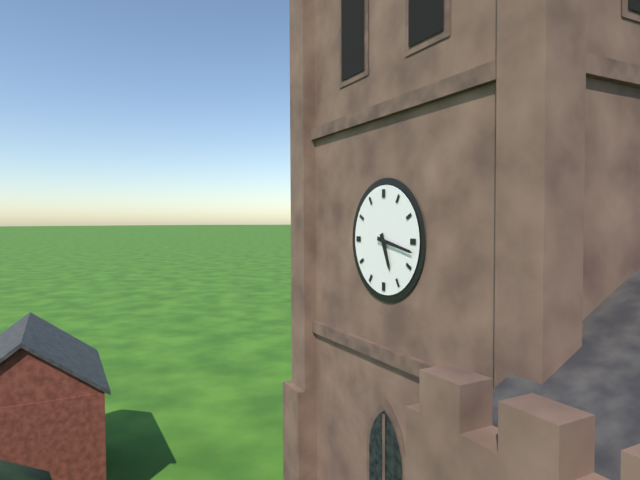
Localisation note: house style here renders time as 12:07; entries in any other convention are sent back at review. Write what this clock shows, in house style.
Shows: 5:17
